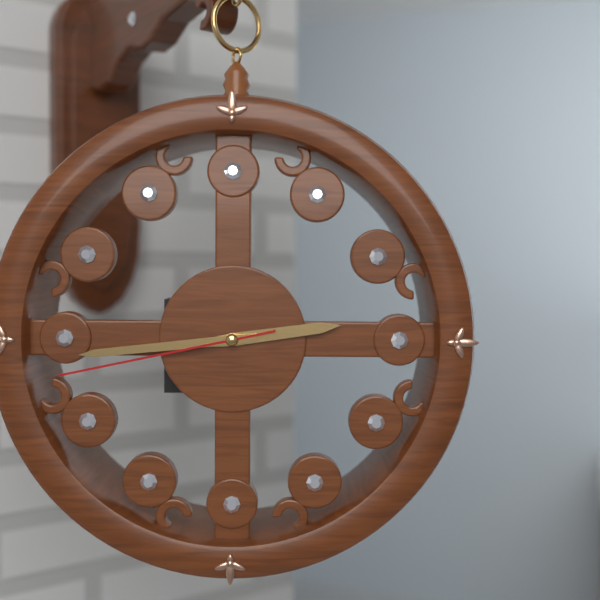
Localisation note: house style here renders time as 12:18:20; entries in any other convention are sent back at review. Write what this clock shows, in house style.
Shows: 2:44:43
